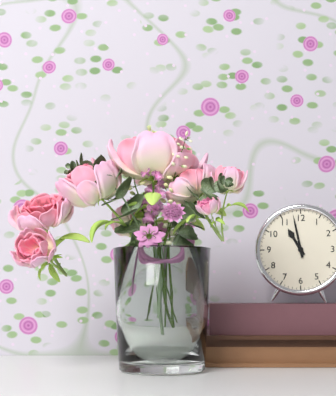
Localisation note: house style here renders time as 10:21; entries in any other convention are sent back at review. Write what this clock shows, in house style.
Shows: 10:58
